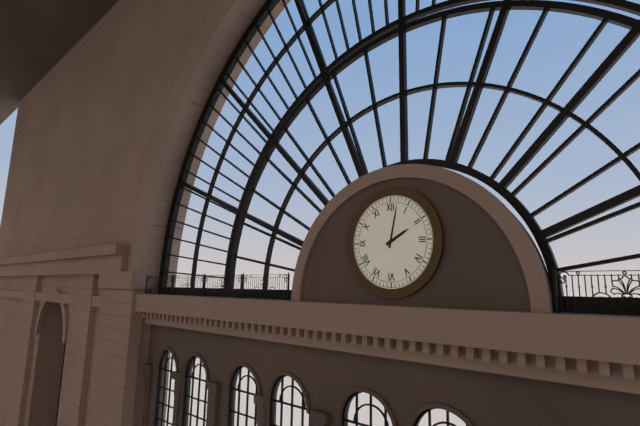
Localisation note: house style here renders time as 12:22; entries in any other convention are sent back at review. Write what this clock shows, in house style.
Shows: 2:02
